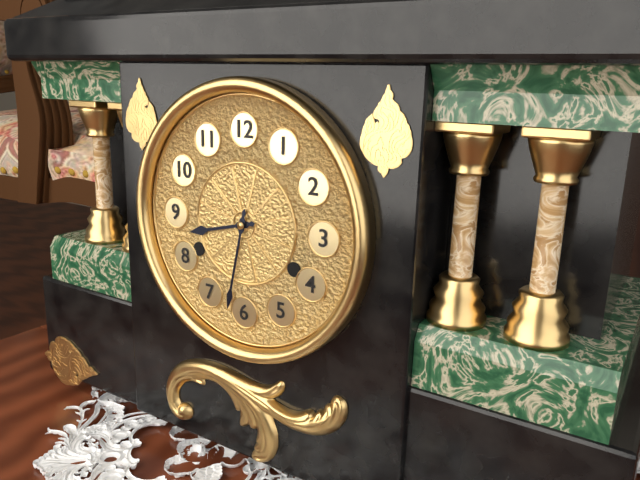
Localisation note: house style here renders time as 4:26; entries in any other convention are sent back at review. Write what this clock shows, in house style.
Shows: 8:32
